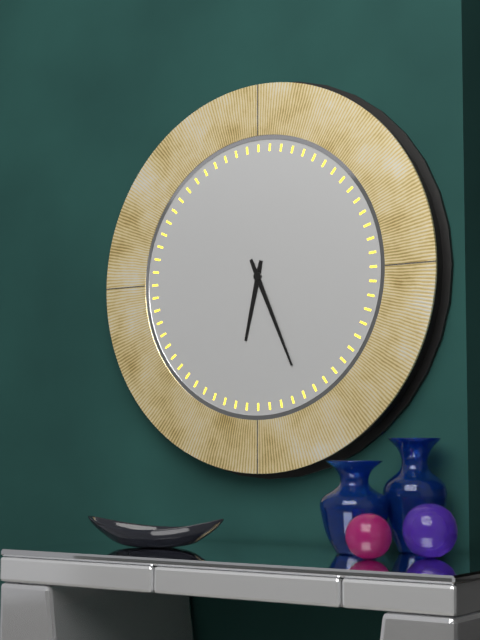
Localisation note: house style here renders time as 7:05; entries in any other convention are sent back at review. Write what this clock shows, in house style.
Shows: 6:26
